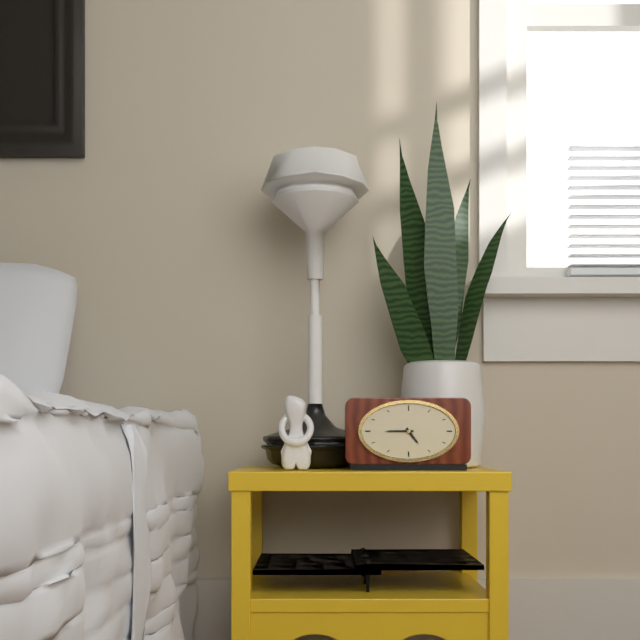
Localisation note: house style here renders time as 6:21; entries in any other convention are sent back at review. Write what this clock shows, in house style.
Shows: 4:45
